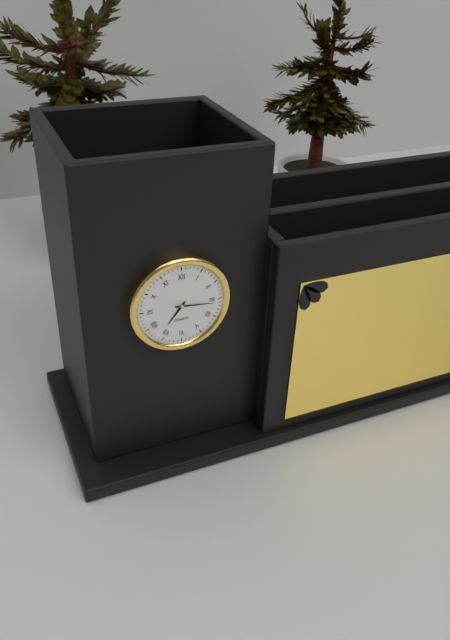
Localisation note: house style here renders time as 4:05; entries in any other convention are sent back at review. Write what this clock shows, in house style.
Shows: 7:16
